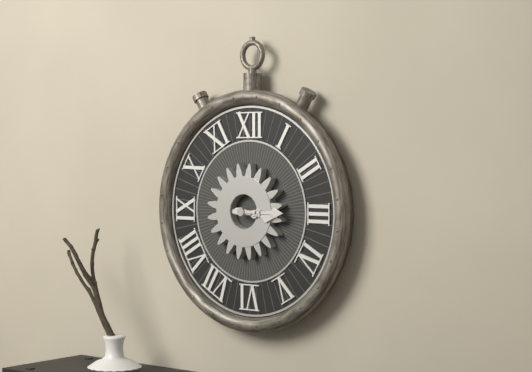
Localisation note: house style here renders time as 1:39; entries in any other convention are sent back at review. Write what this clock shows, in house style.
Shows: 3:15
